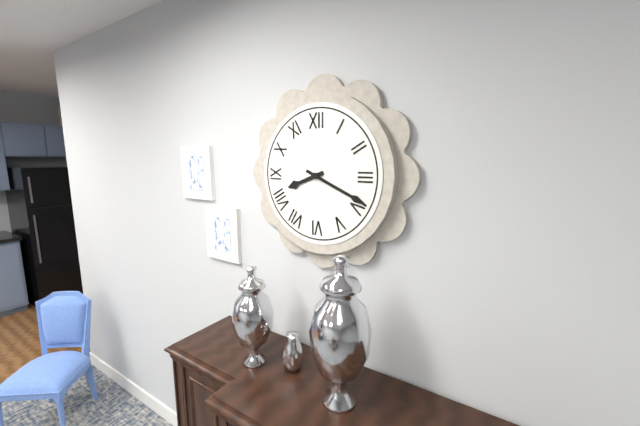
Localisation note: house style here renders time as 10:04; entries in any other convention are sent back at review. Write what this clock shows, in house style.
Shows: 8:19
